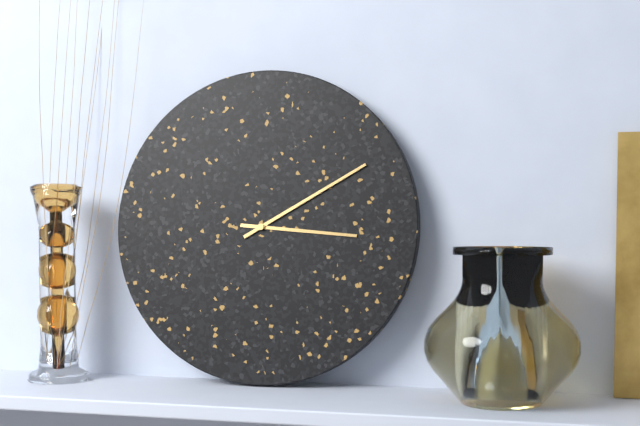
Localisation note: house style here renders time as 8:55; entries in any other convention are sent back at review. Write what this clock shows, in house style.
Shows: 3:10
